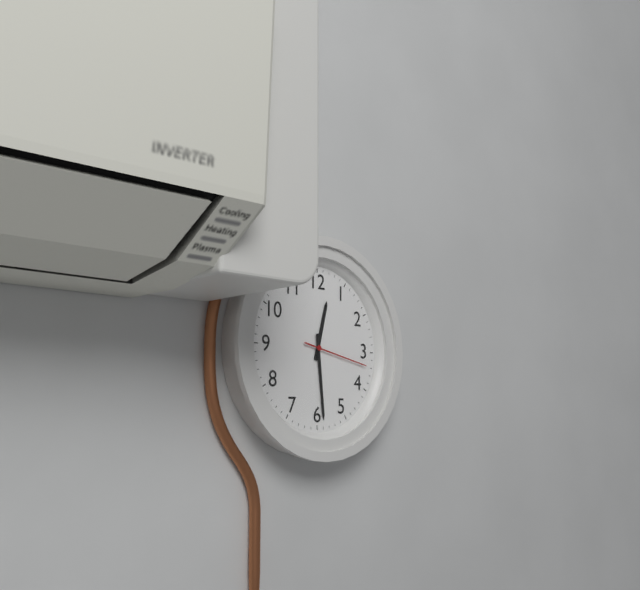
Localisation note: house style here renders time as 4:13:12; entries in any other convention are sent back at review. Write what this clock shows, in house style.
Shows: 12:29:17
